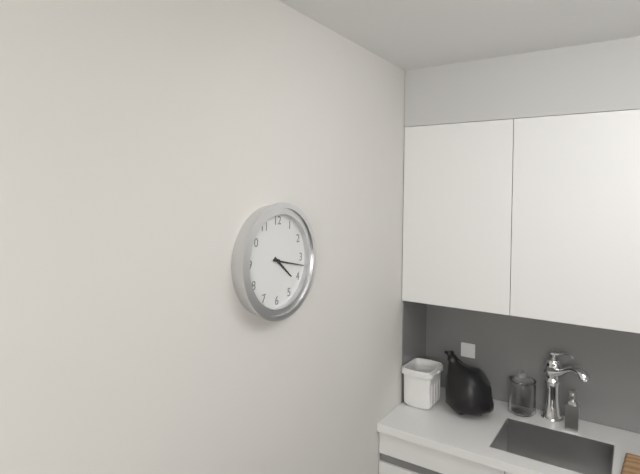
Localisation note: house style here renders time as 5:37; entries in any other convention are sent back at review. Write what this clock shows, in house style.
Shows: 4:17
